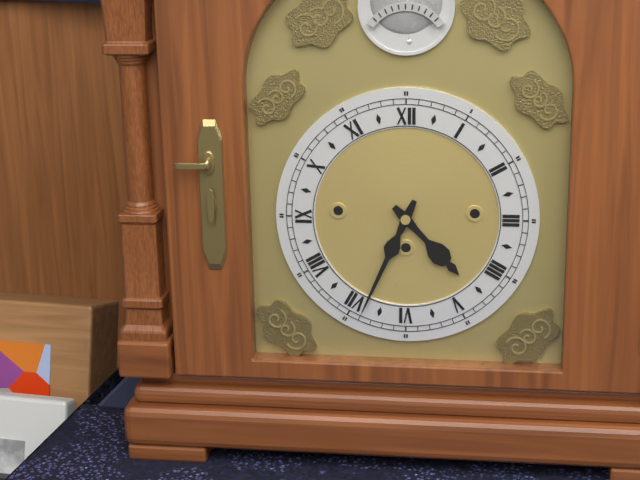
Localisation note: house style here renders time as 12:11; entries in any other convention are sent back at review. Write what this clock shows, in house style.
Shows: 4:34
